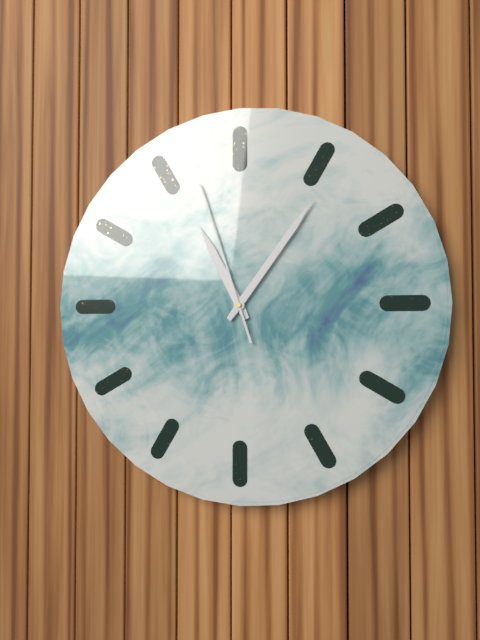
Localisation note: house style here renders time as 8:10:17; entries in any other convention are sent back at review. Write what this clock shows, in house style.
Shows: 11:06:57
